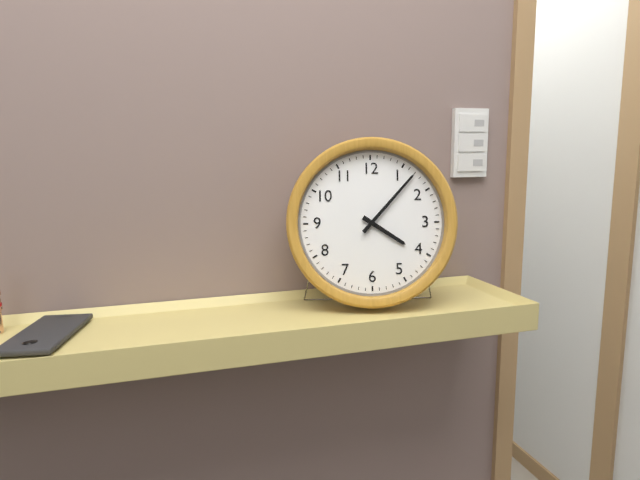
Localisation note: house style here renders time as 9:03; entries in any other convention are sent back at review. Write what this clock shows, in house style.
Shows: 4:07
